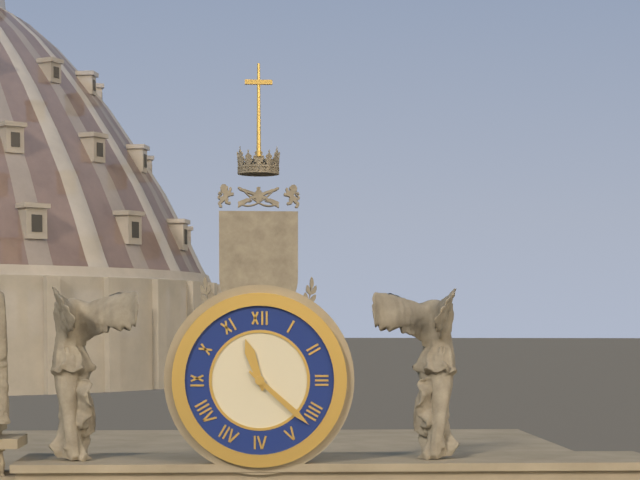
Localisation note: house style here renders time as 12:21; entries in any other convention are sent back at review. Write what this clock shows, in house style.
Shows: 11:22
